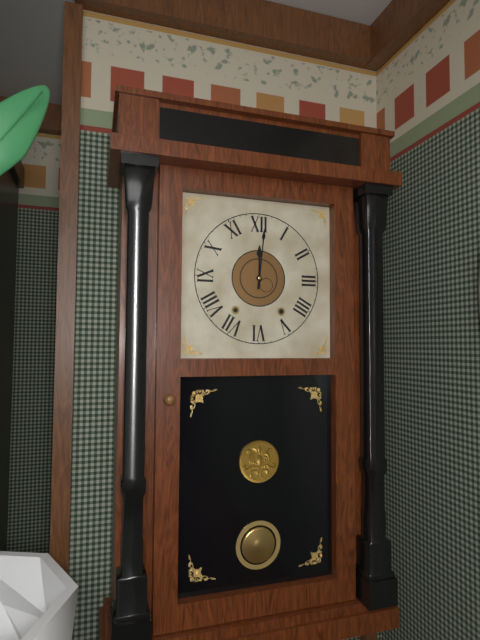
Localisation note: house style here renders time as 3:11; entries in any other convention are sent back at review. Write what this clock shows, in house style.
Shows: 12:01
